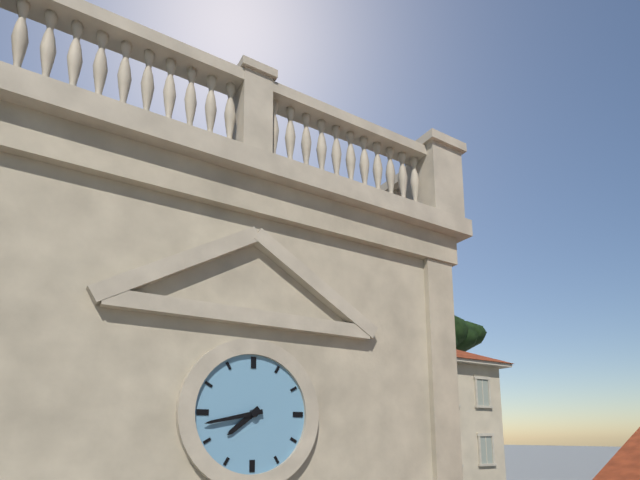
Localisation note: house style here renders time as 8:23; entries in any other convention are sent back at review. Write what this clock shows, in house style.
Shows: 7:43
